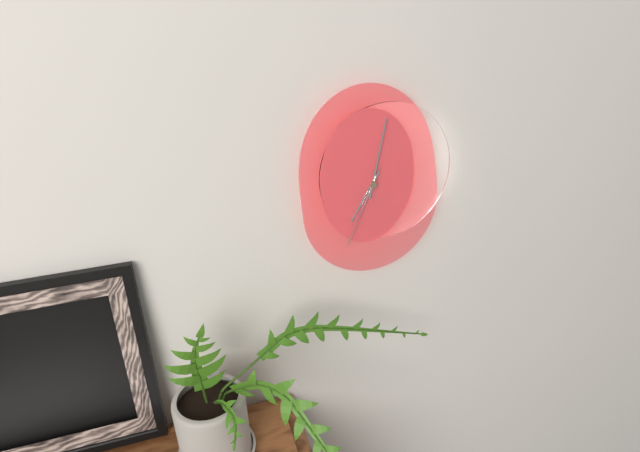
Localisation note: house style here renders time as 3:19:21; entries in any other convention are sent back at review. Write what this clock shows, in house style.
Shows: 7:02:34
